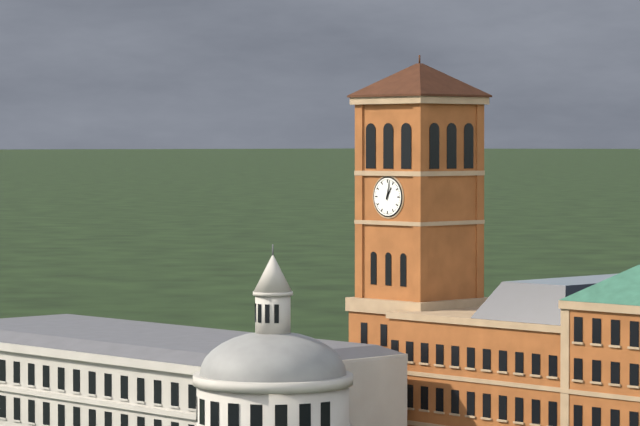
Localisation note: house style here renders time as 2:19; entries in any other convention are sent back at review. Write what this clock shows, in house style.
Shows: 1:02
